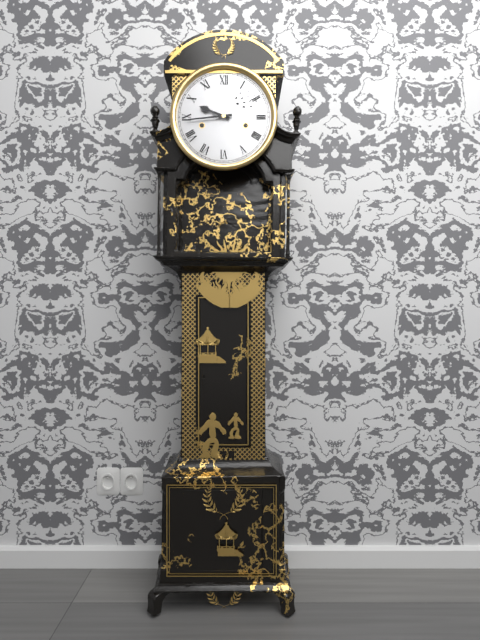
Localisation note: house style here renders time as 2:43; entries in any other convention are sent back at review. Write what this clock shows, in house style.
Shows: 9:44
